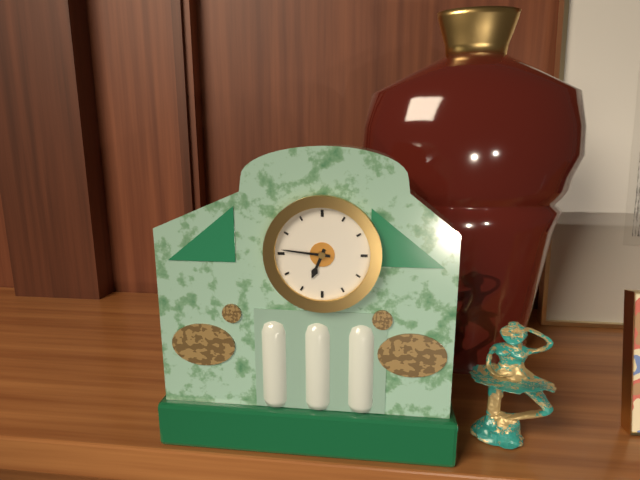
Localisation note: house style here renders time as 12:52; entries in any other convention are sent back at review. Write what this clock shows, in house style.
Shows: 6:46
